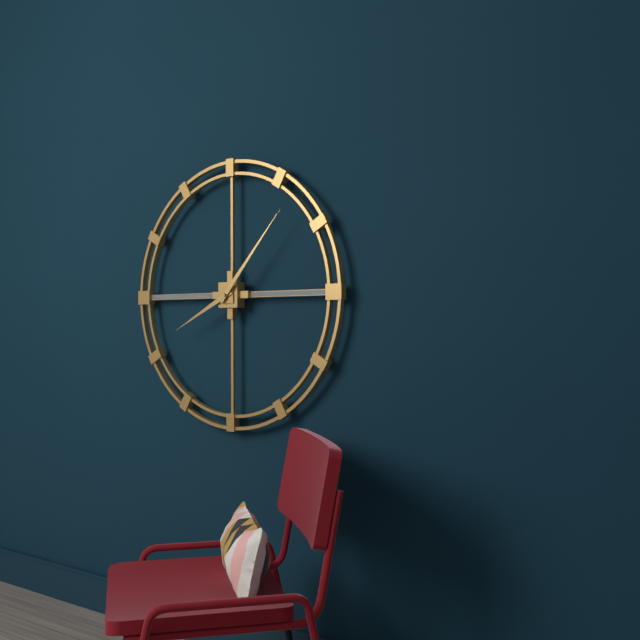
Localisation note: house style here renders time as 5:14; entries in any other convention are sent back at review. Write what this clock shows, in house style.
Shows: 8:07
